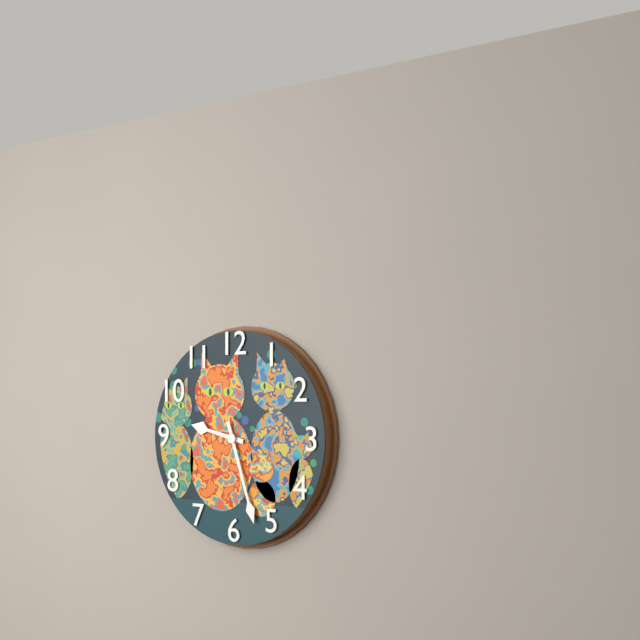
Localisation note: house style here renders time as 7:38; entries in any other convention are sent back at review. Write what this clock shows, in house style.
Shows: 9:27
